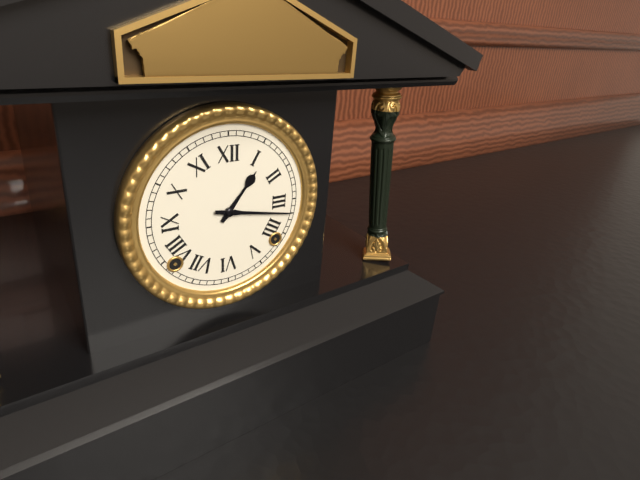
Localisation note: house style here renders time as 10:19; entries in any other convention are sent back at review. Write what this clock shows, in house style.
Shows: 1:17
